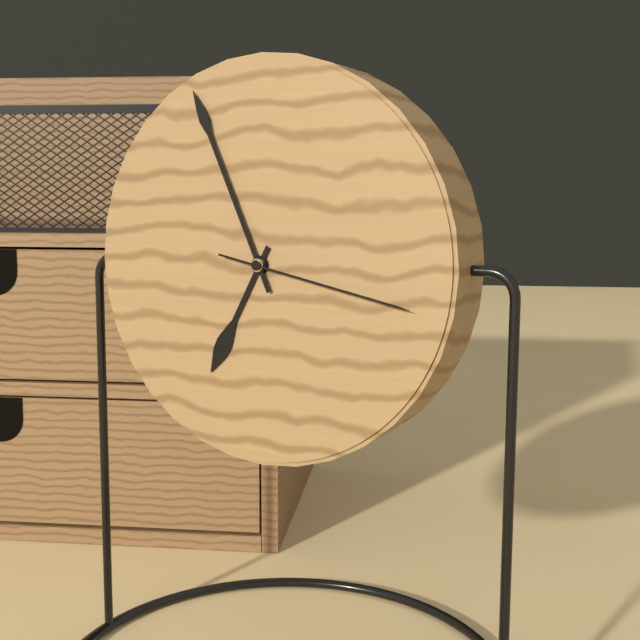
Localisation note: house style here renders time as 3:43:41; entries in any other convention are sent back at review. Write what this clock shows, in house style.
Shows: 6:56:17
